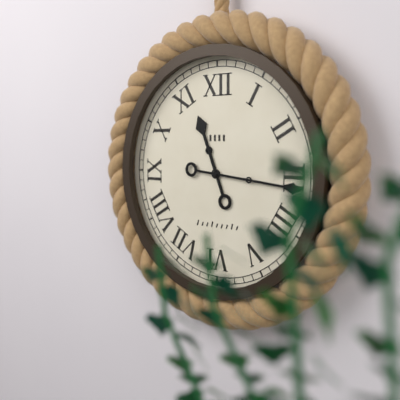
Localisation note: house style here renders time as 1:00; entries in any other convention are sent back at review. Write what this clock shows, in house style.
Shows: 11:16
